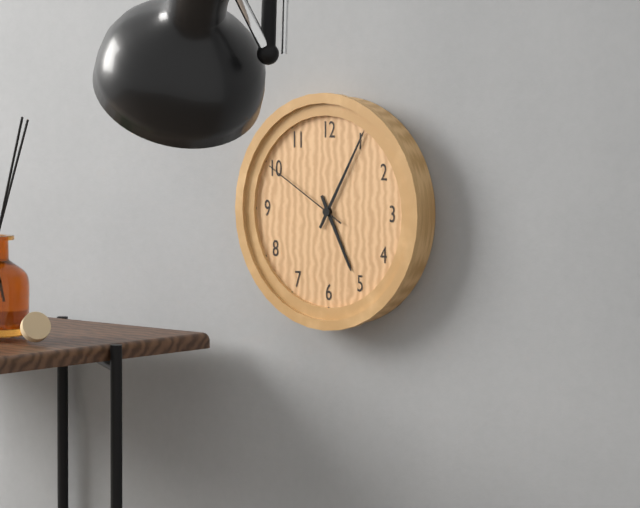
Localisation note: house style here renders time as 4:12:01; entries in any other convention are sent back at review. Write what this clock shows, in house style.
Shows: 5:05:50
